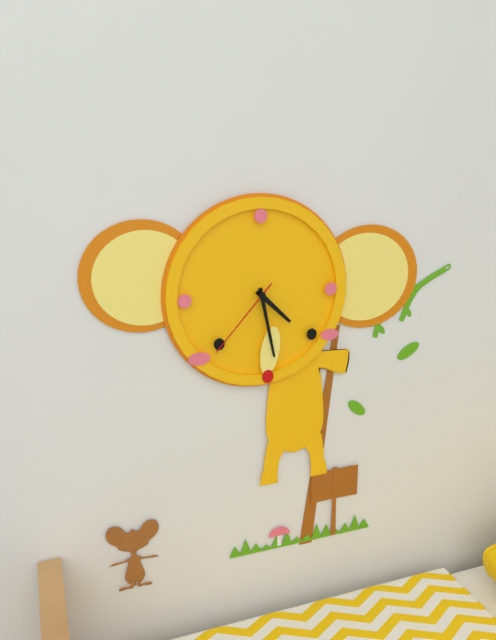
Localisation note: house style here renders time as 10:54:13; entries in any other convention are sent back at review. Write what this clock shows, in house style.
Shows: 4:28:37
